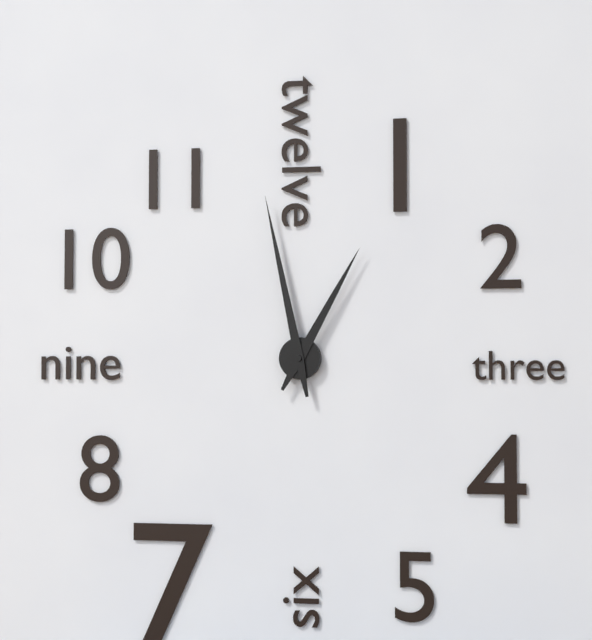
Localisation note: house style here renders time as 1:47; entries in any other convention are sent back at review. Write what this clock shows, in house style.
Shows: 12:58
